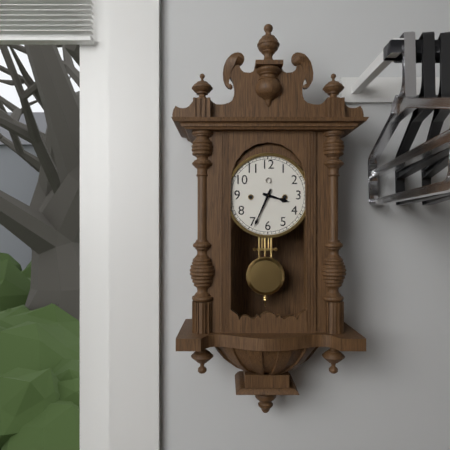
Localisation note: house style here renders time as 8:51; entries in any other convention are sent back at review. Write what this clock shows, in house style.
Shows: 3:34
